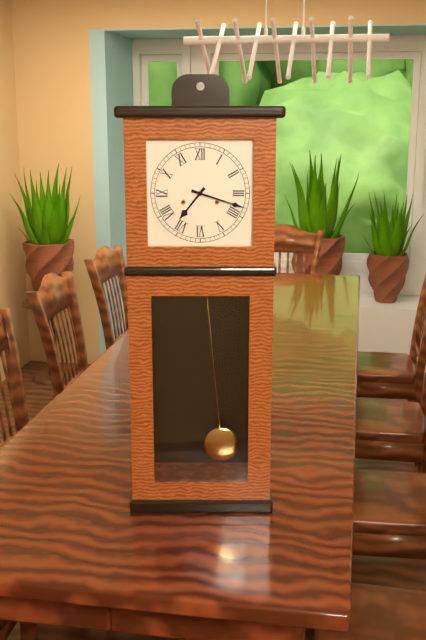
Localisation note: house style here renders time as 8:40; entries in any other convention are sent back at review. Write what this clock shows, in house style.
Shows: 7:18
